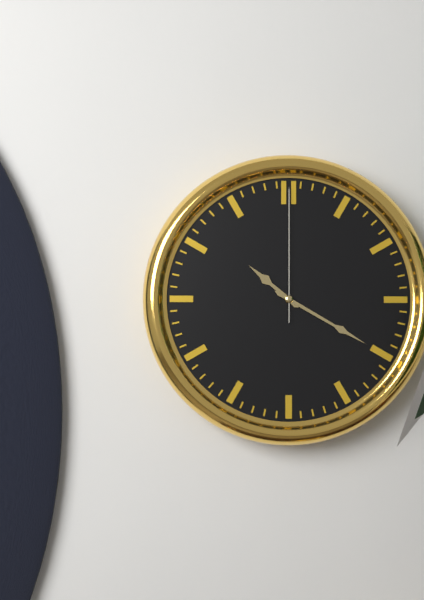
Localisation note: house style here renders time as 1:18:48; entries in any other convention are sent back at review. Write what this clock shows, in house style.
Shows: 10:20:00
